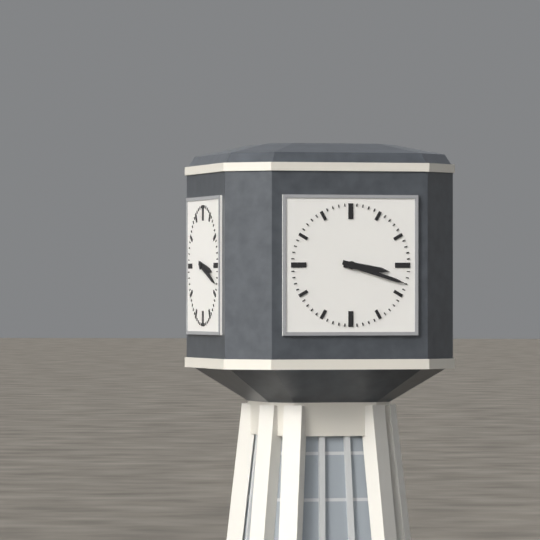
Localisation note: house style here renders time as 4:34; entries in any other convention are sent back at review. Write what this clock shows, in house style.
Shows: 3:18
